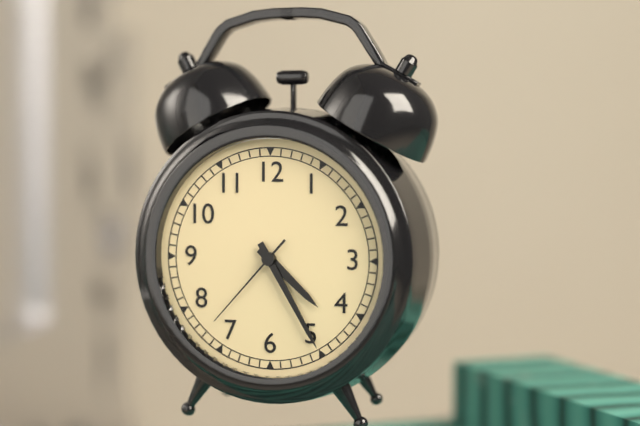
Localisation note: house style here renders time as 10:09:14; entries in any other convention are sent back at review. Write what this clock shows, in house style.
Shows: 4:25:37
